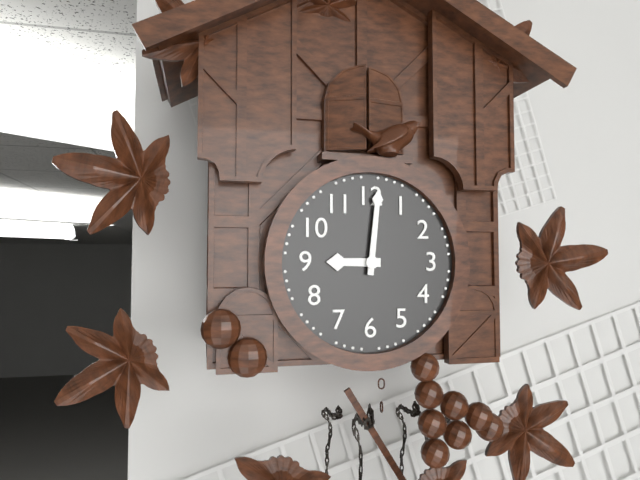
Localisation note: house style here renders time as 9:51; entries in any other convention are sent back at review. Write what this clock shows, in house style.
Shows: 9:01
